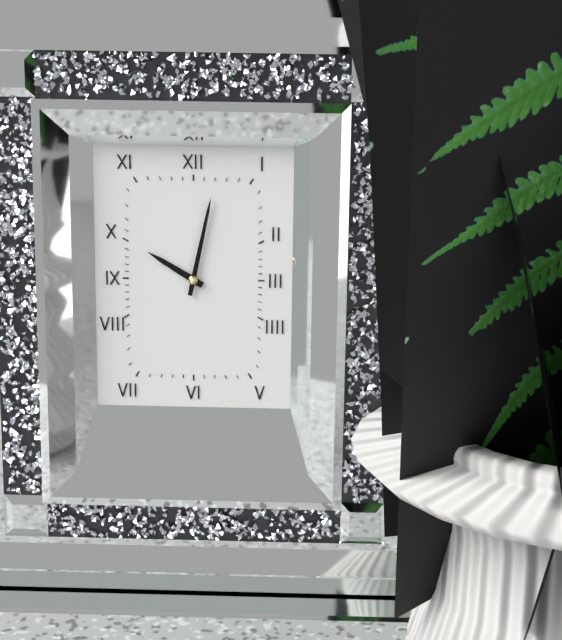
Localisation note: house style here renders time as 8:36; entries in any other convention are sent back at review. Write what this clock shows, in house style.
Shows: 10:02
